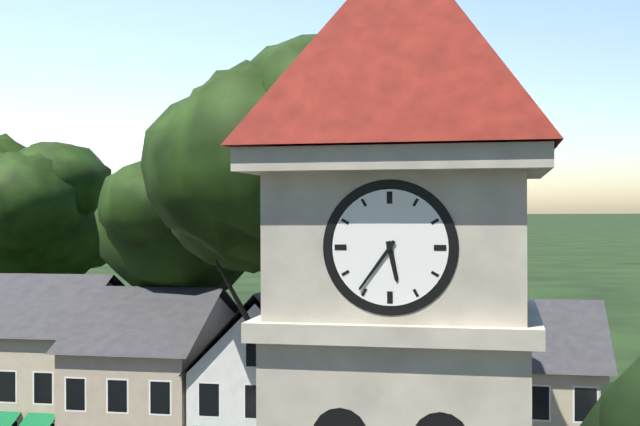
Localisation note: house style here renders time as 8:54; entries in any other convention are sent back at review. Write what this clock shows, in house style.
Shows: 5:36
